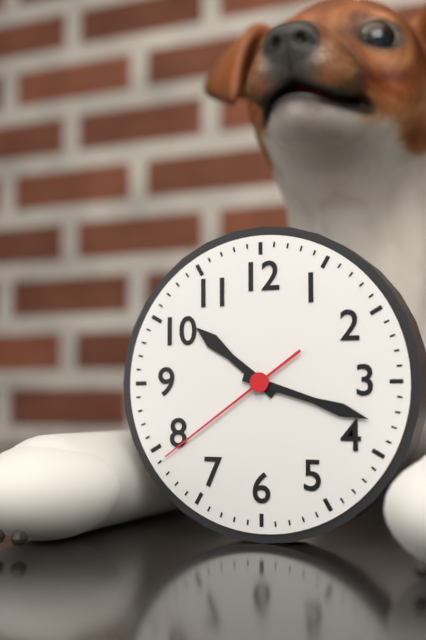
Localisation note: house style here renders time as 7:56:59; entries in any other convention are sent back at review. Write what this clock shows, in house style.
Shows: 10:18:39
